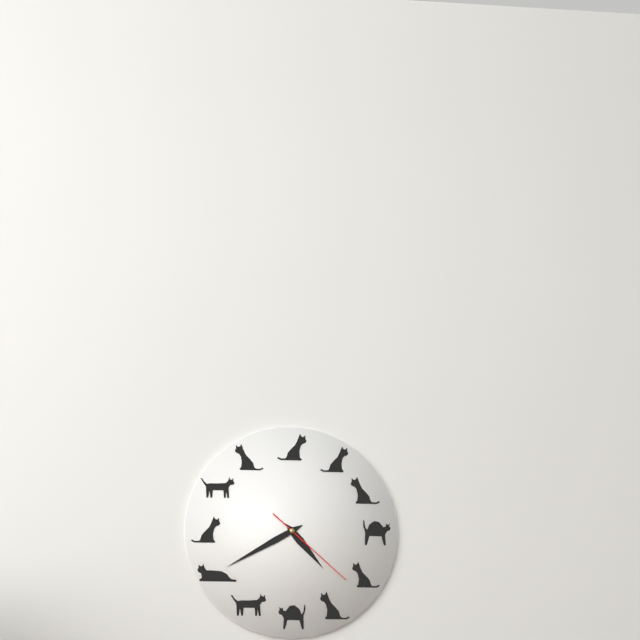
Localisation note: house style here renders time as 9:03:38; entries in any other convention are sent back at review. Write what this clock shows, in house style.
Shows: 4:40:22
